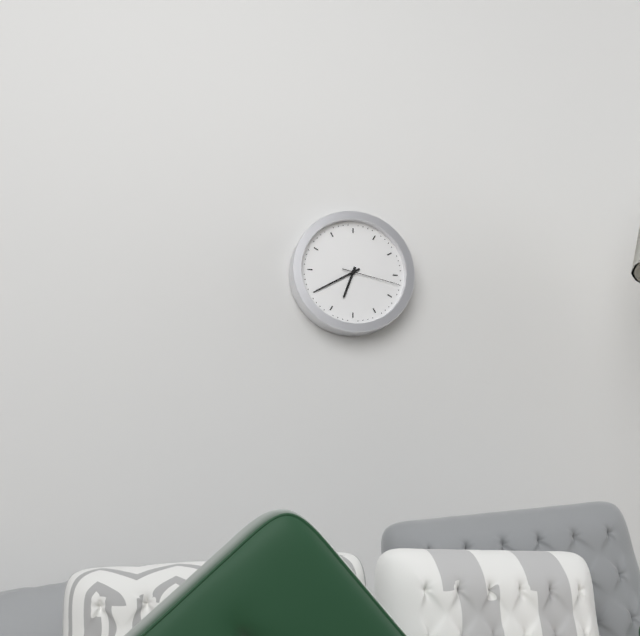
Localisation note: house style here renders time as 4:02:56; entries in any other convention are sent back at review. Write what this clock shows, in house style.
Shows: 6:40:17
